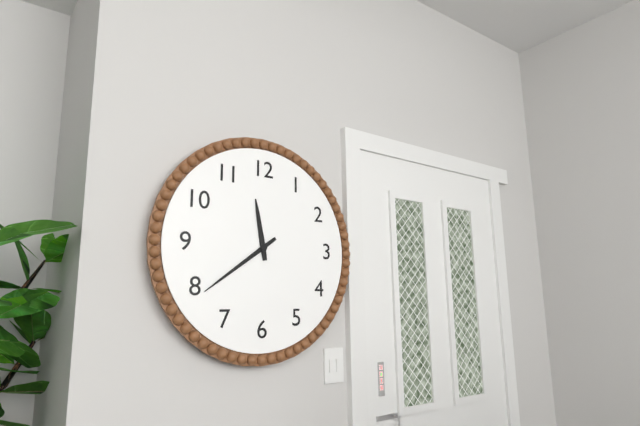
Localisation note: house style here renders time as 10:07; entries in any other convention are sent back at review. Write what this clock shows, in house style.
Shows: 11:39
